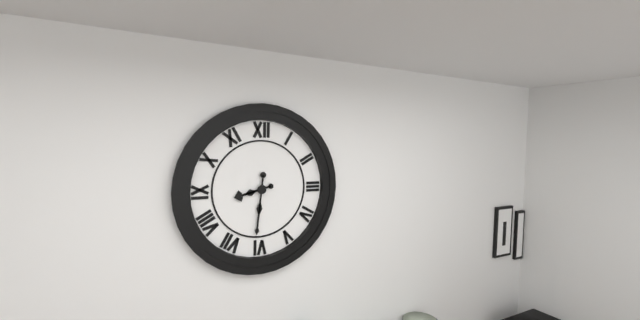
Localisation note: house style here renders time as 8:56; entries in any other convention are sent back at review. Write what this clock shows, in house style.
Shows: 8:31
